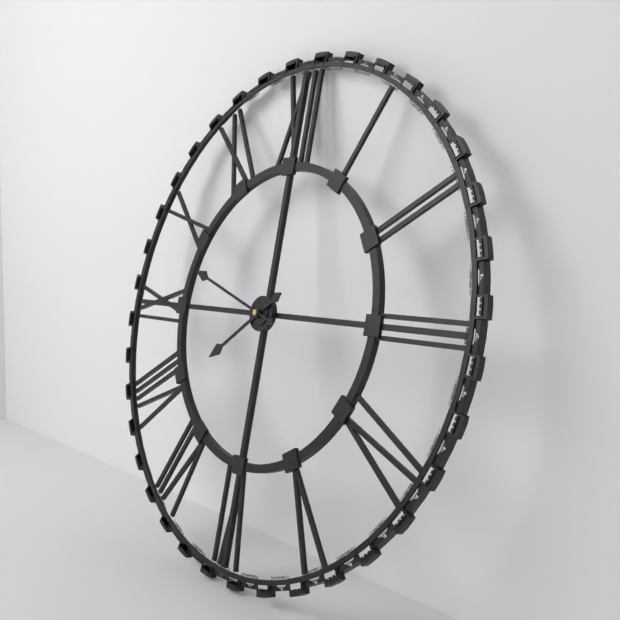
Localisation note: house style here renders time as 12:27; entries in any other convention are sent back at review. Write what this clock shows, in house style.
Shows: 7:48
